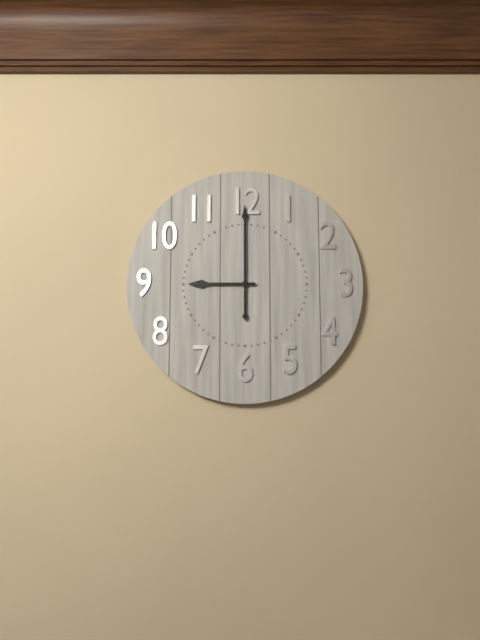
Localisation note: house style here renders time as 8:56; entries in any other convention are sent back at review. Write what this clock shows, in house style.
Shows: 9:00
